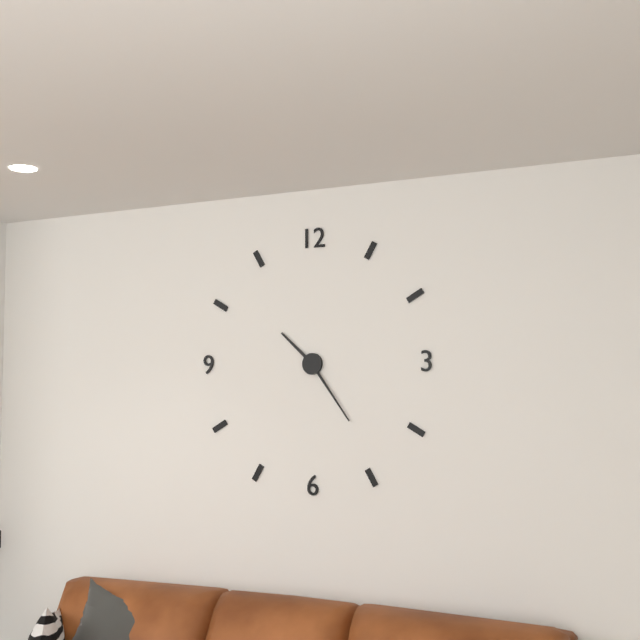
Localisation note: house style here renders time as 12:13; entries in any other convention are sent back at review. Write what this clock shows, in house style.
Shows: 10:24
